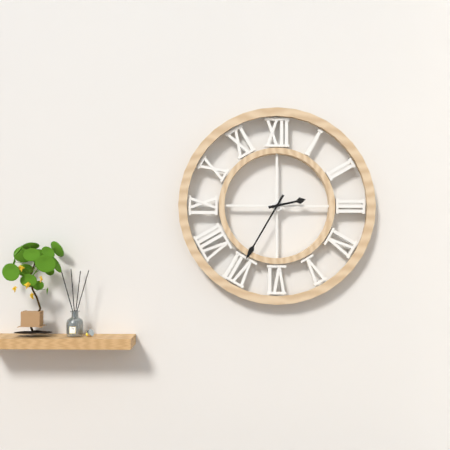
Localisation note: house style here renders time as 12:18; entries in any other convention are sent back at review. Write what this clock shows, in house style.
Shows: 2:35
